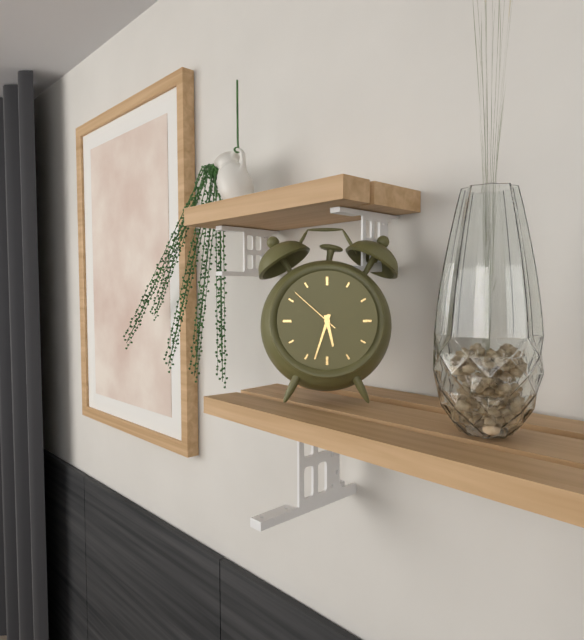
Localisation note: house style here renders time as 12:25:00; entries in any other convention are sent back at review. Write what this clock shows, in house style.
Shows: 5:33:52
